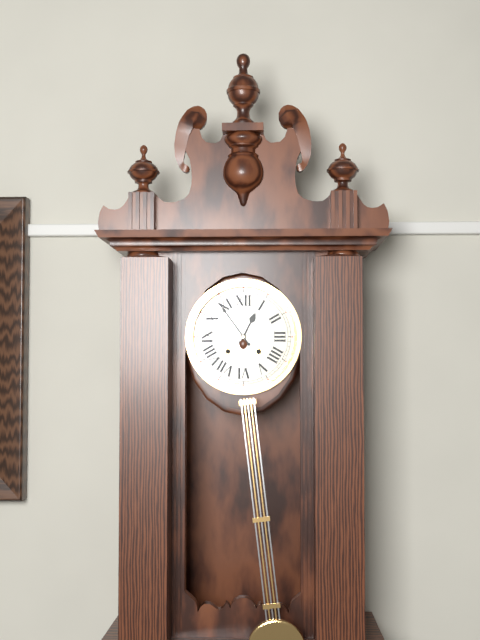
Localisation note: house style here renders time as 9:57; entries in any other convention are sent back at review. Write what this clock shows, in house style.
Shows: 12:54
